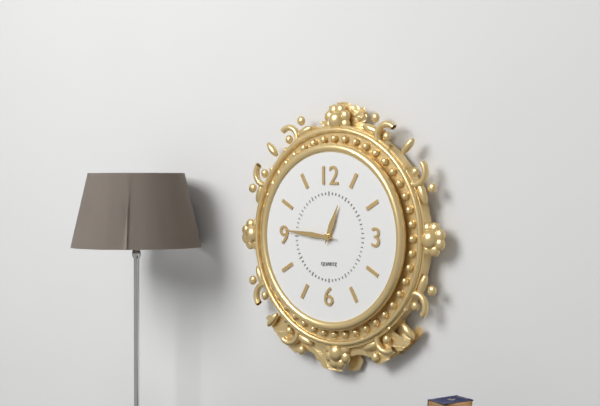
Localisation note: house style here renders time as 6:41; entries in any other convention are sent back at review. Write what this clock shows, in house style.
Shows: 12:46
